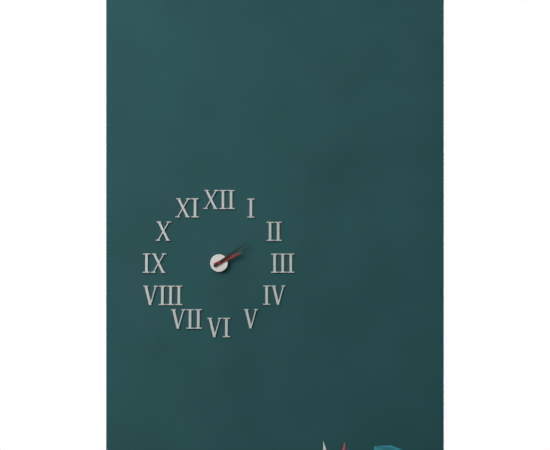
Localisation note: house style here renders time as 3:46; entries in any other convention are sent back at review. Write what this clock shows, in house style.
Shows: 2:09
